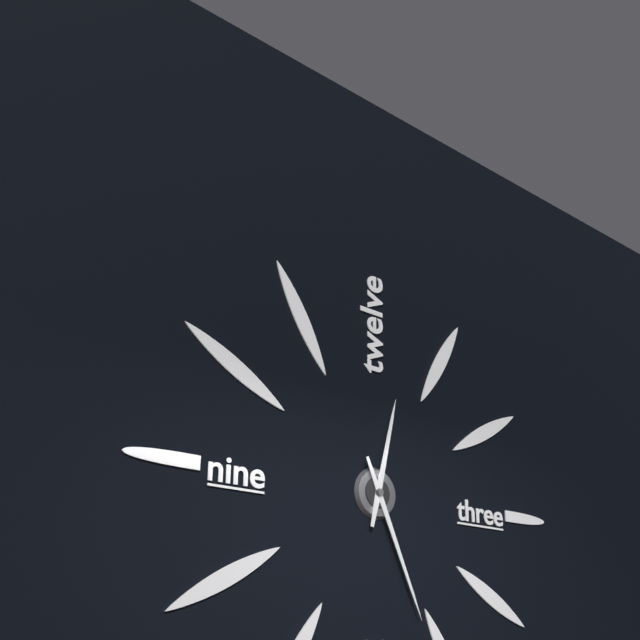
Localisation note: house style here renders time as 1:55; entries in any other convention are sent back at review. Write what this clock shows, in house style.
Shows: 12:26
